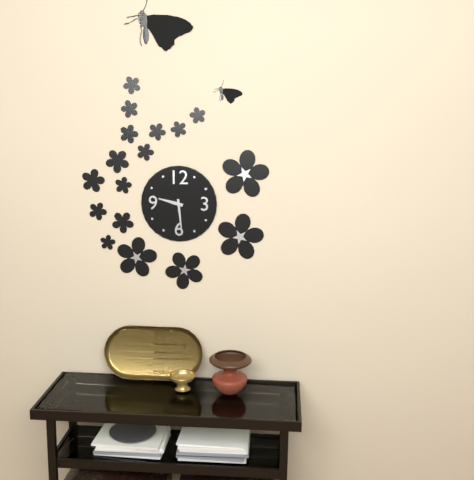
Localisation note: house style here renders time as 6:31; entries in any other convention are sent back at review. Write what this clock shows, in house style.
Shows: 9:29
